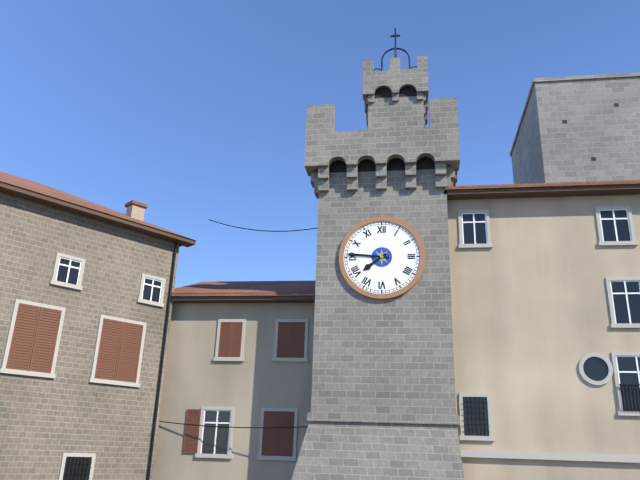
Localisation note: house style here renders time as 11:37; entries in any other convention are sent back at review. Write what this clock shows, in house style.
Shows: 7:46
